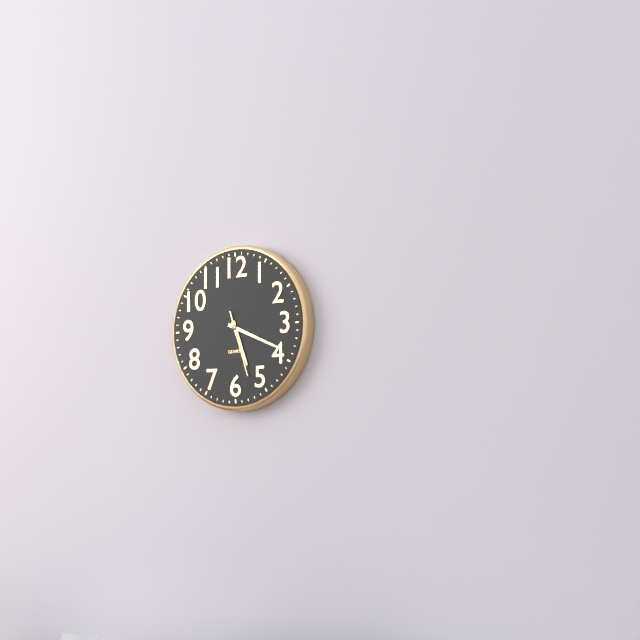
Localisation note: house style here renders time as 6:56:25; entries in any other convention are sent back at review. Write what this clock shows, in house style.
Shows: 5:19:27
